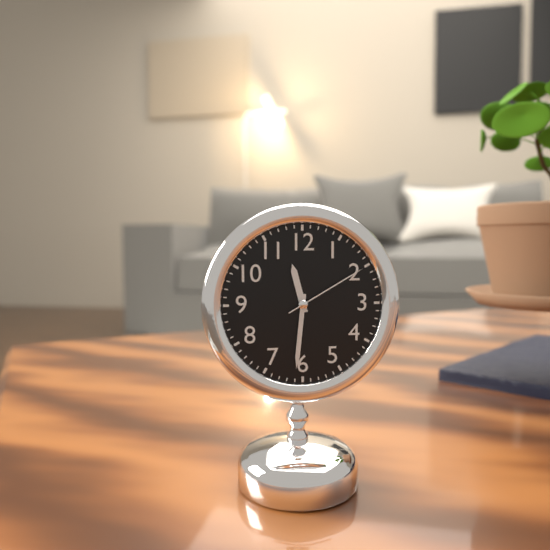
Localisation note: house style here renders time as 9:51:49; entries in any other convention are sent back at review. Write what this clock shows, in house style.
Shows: 11:31:10
